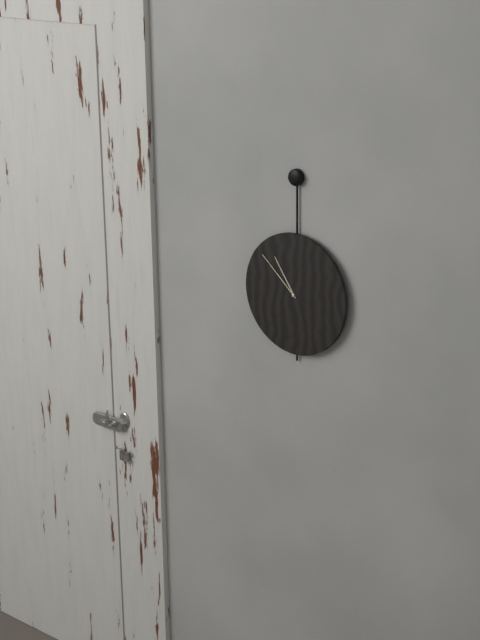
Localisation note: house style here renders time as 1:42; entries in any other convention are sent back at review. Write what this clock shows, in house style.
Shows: 10:52
